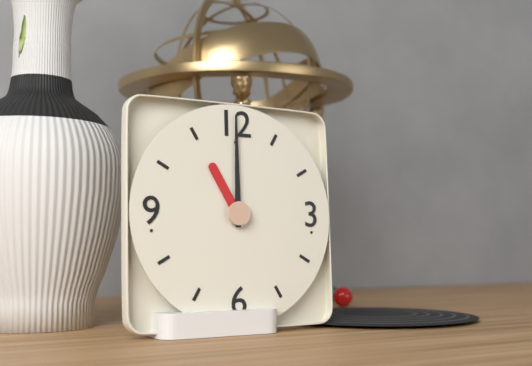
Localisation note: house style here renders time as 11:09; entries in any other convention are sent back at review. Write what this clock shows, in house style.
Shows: 11:00
